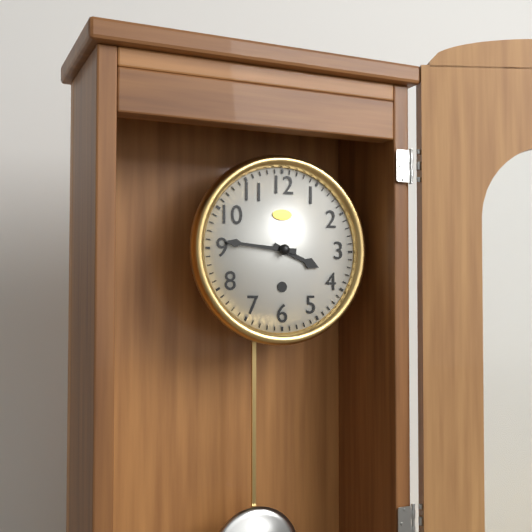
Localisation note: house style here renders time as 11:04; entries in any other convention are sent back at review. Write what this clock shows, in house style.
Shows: 3:46
